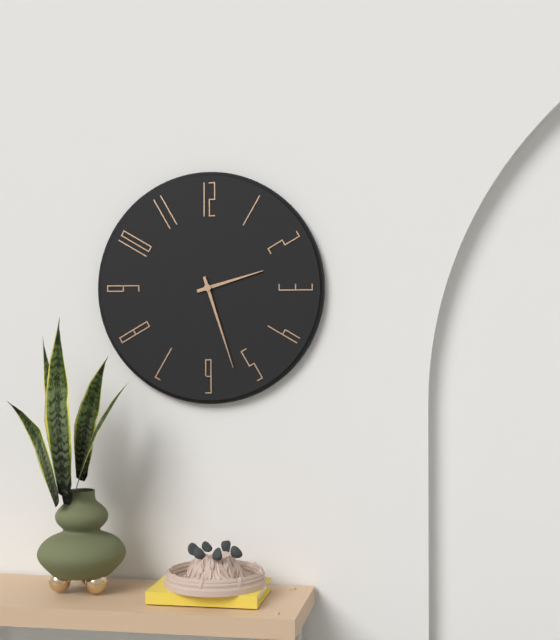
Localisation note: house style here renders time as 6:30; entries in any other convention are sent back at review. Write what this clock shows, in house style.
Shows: 2:27
